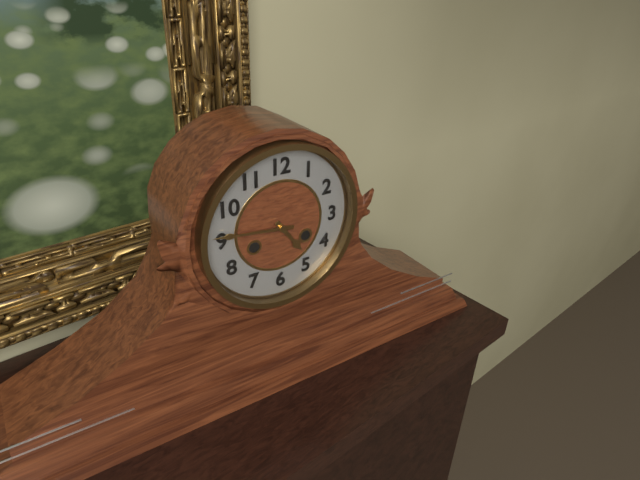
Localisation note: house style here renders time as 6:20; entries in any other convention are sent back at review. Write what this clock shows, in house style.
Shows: 4:46
